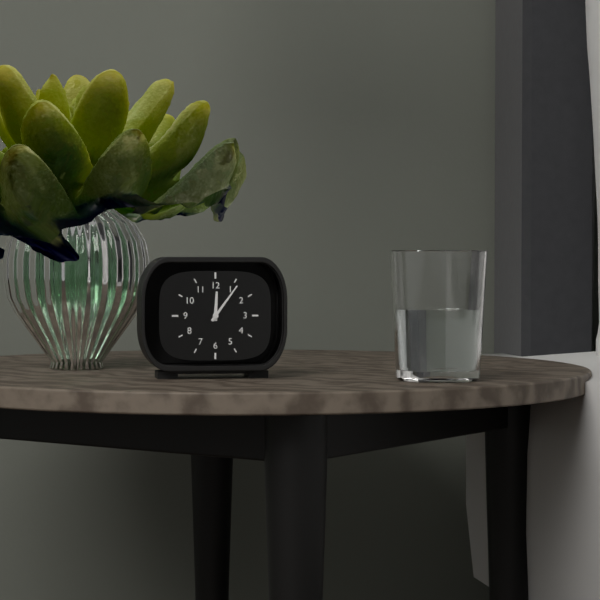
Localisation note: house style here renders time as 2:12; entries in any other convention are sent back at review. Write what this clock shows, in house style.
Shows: 12:06
